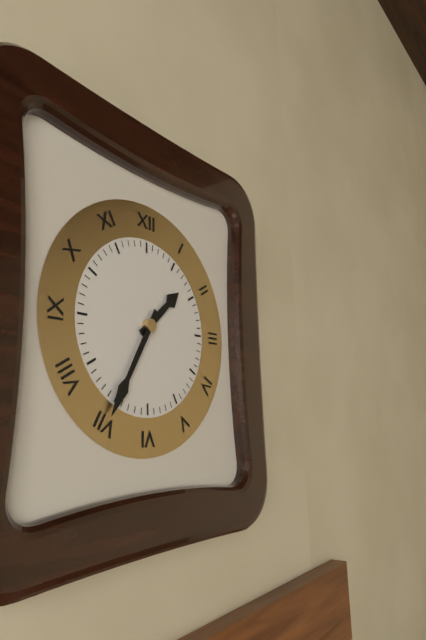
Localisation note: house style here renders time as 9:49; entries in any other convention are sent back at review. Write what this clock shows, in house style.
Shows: 1:35
